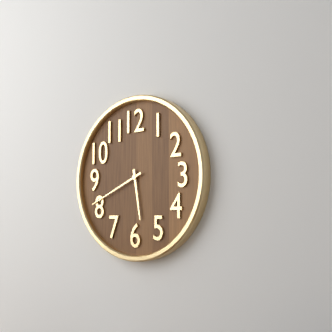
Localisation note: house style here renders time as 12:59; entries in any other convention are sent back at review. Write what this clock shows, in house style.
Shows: 5:41
